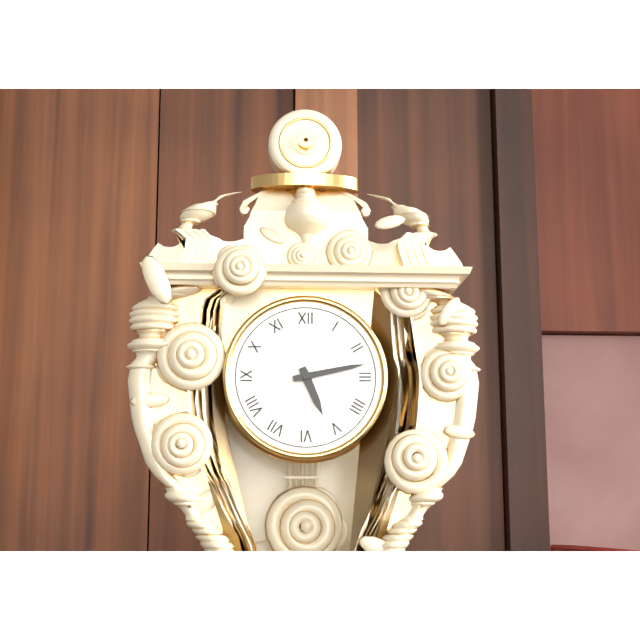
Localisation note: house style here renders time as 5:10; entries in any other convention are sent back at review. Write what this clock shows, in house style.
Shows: 5:13
